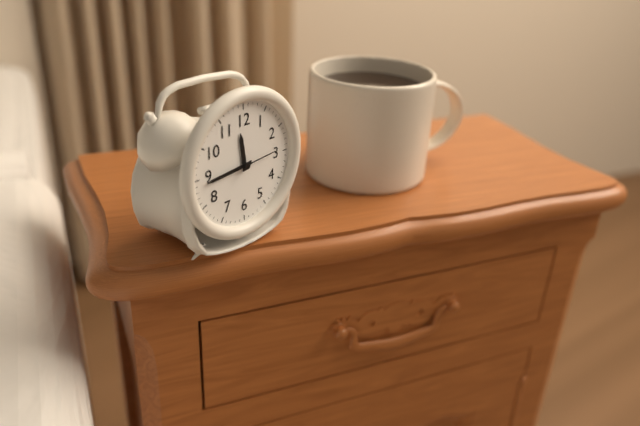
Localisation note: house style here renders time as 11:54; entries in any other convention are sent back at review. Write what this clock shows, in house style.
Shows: 11:44
